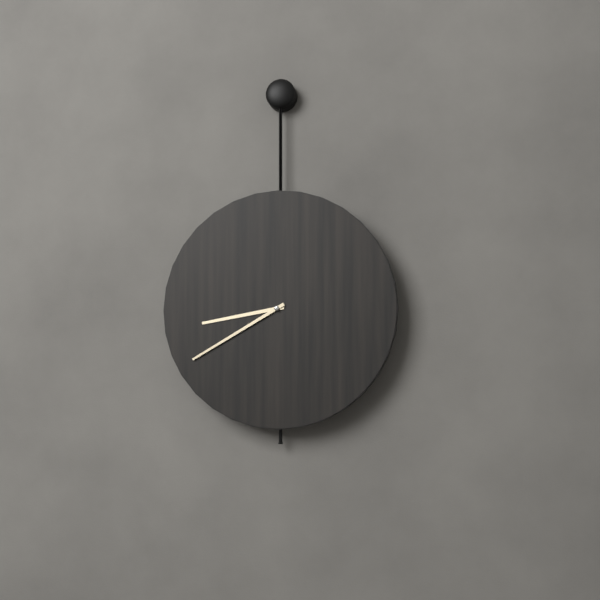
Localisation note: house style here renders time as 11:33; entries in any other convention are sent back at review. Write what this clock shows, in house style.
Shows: 8:40
